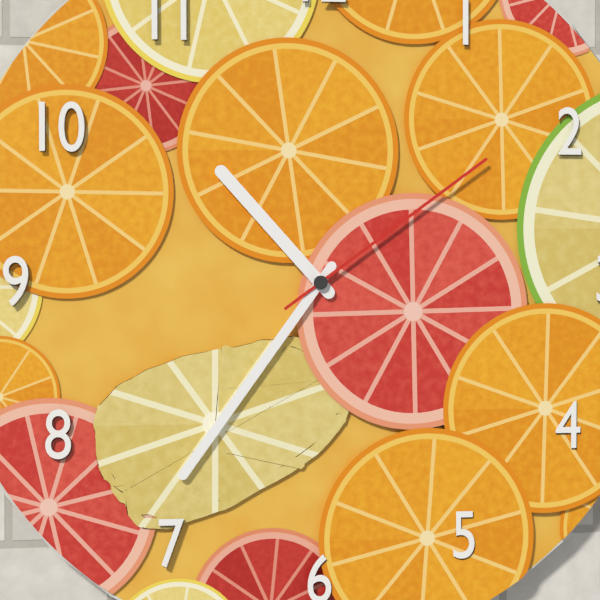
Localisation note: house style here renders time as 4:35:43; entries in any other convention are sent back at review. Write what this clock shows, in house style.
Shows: 10:36:09
